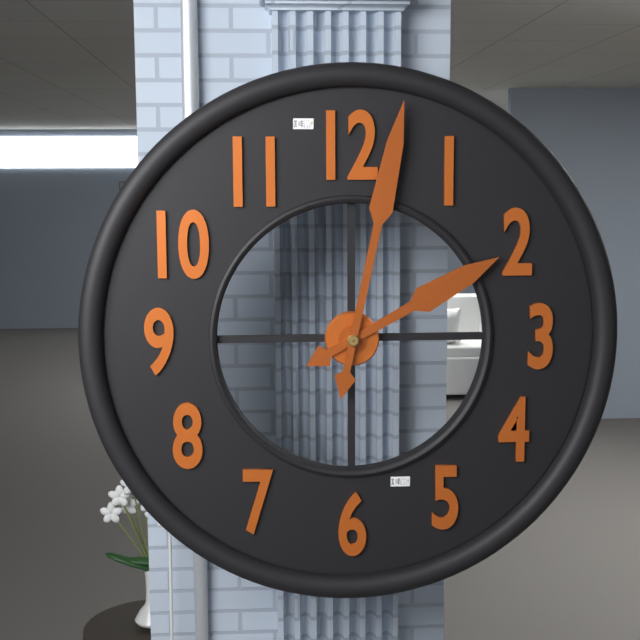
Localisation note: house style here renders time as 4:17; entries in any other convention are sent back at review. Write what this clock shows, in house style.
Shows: 2:02
